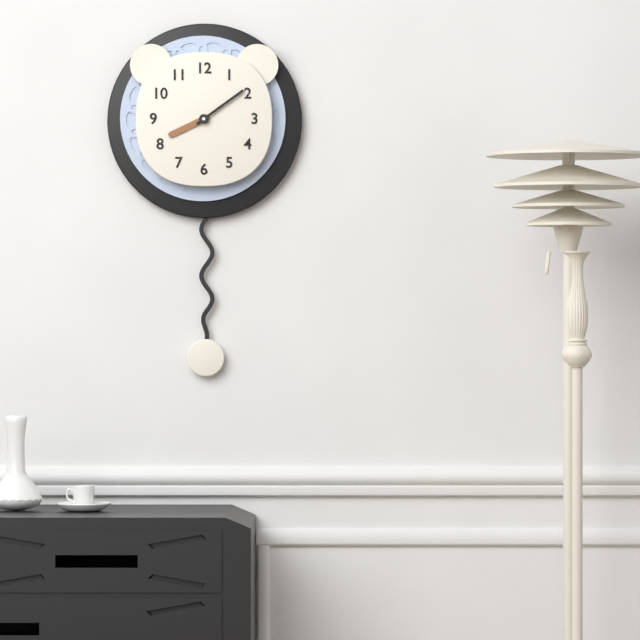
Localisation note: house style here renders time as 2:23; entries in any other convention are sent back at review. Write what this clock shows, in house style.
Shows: 8:09
